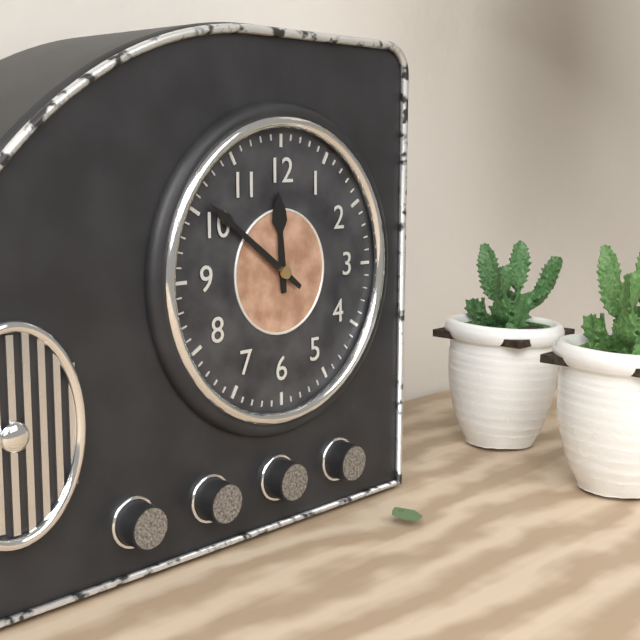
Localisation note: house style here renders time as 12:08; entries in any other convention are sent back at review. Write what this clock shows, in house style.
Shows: 11:51
